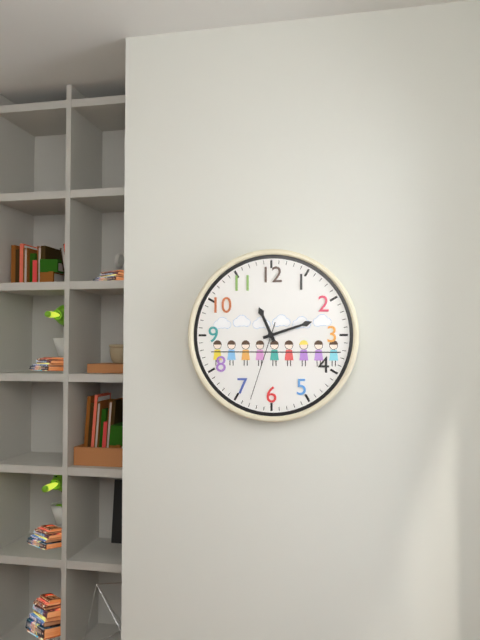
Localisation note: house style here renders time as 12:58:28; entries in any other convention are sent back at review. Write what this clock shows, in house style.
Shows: 11:12:33
